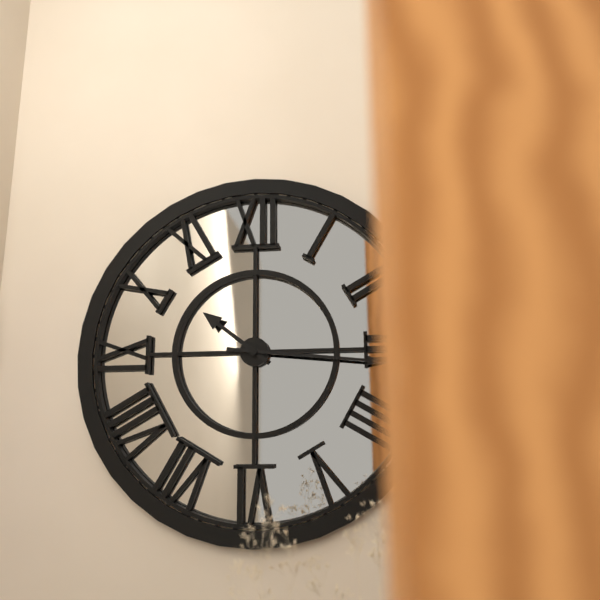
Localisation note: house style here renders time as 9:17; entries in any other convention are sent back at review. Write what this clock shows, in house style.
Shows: 10:16
